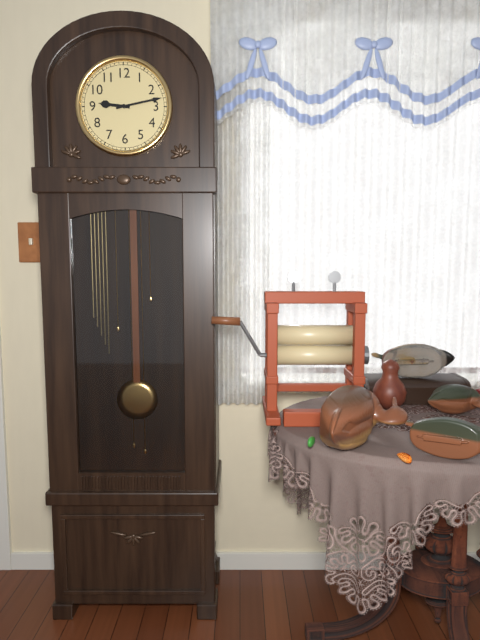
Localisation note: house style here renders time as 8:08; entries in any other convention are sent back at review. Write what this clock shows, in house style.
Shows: 9:13
